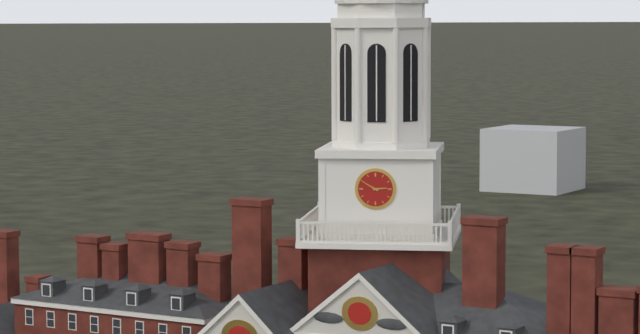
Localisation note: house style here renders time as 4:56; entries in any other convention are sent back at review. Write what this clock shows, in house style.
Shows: 2:50
